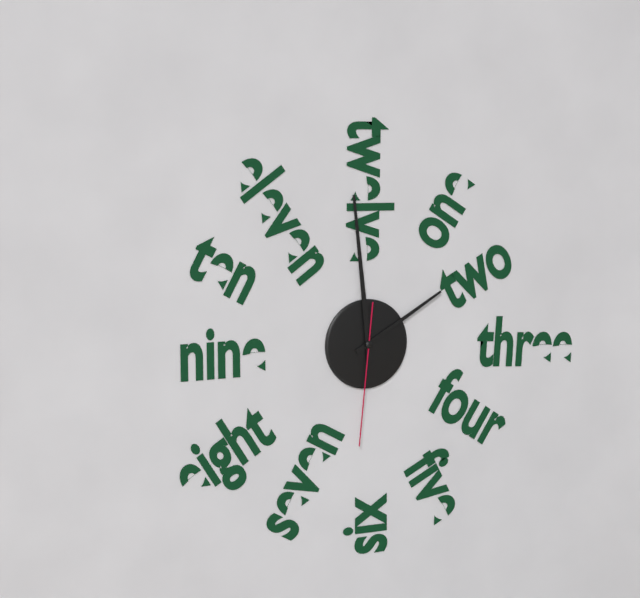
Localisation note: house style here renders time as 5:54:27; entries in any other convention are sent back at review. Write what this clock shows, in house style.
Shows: 1:59:31
